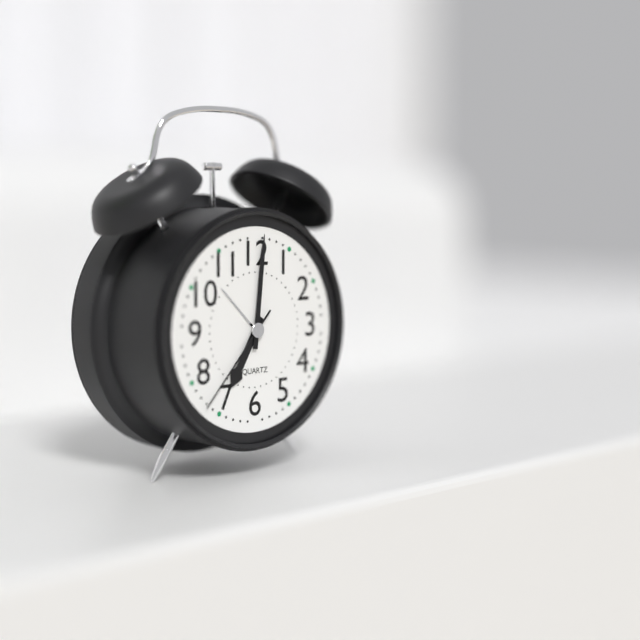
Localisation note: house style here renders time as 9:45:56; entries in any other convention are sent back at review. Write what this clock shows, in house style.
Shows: 7:01:37
